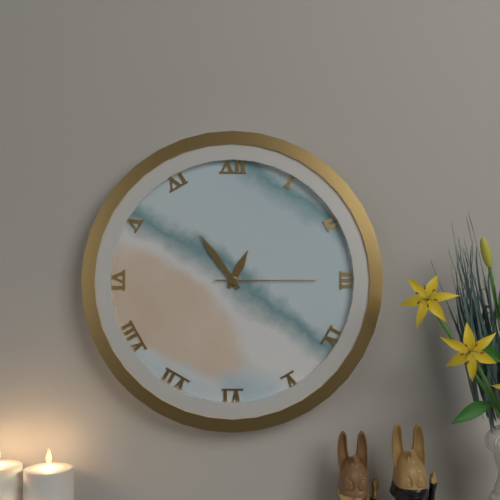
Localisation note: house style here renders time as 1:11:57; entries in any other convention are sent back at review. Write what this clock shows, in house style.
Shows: 12:54:15
